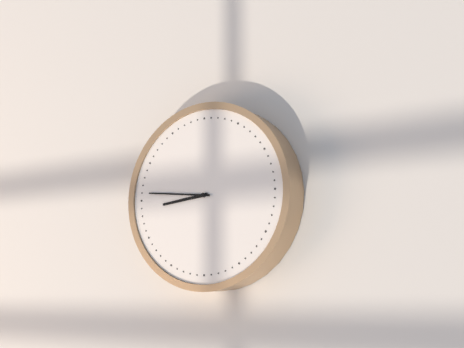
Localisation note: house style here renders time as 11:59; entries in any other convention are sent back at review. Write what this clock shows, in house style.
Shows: 8:46
